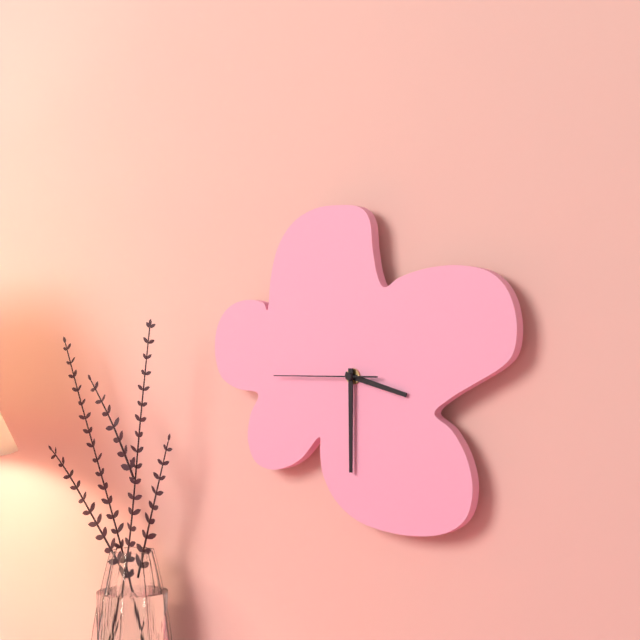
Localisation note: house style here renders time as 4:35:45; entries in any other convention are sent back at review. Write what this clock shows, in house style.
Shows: 3:30:45
